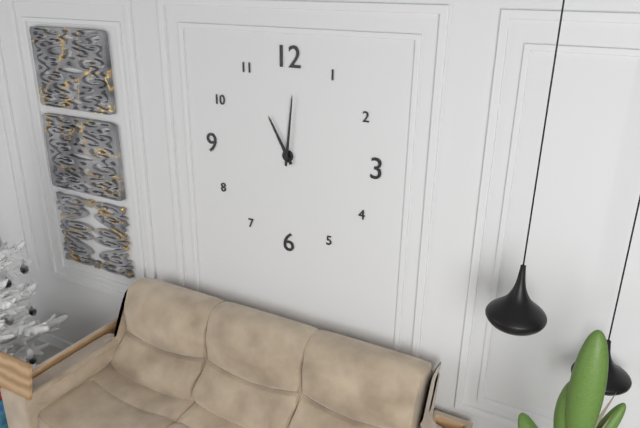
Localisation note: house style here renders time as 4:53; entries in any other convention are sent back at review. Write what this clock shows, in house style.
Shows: 11:01
